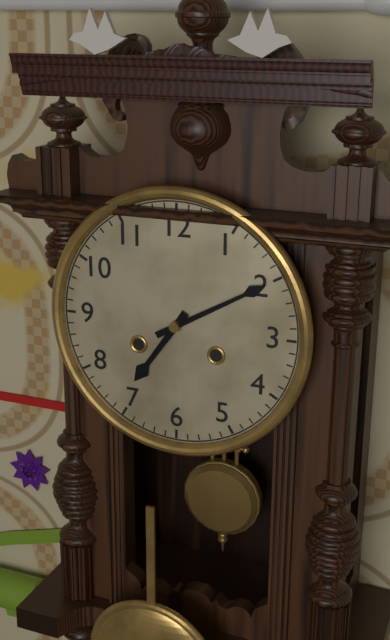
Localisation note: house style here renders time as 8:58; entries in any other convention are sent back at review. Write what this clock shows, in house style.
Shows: 7:10
